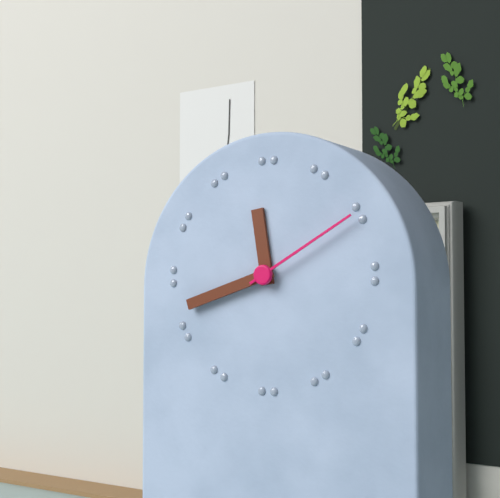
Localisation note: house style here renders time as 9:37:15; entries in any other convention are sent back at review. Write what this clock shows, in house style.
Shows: 11:42:10
